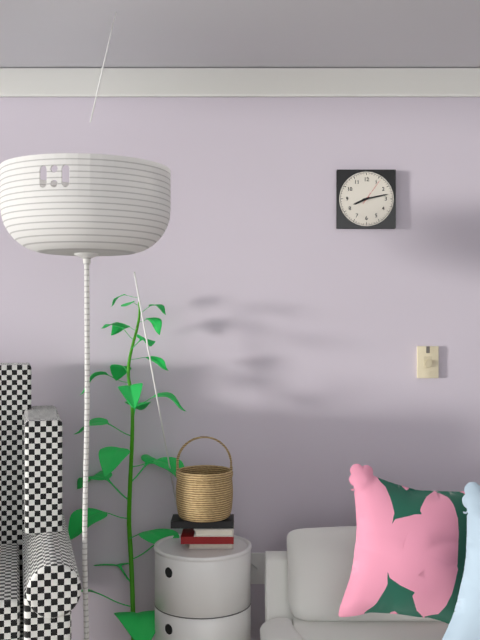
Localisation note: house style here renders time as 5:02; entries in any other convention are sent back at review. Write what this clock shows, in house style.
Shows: 8:13
